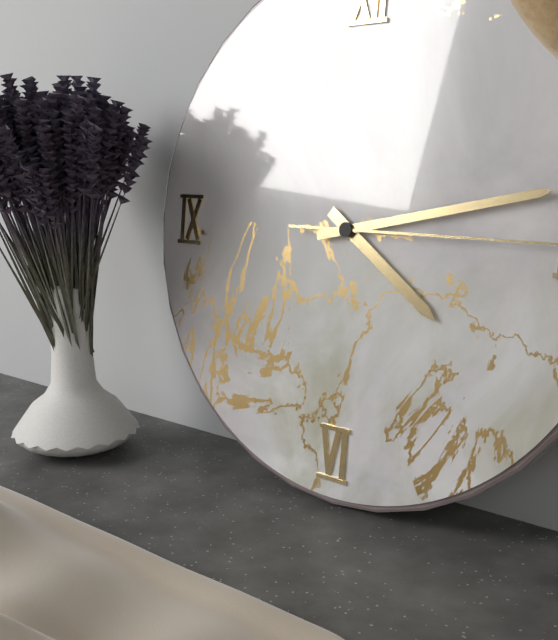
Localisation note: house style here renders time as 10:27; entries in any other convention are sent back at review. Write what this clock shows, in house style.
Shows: 4:13
